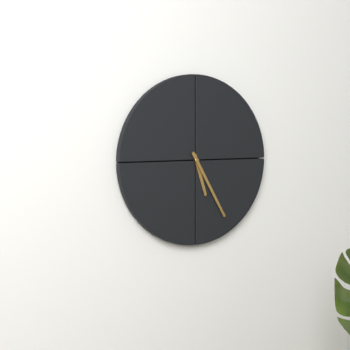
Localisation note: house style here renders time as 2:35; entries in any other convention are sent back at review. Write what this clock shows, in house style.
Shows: 5:25
